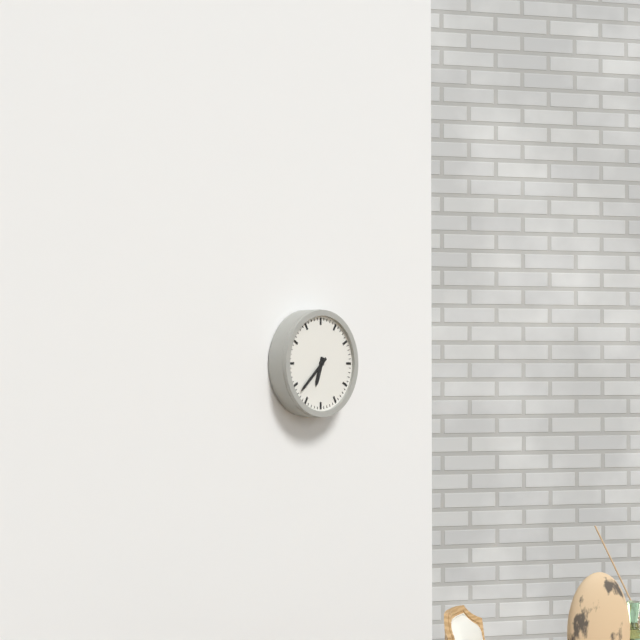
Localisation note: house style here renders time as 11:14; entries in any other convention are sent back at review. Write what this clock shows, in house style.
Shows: 6:38
